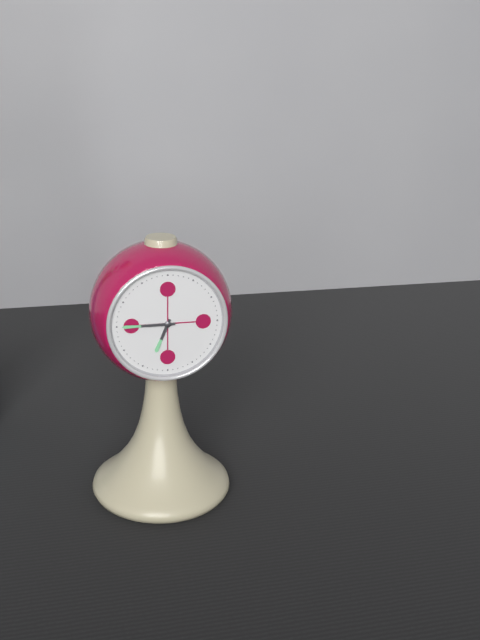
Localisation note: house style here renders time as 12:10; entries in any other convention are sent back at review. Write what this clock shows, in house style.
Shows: 6:45
